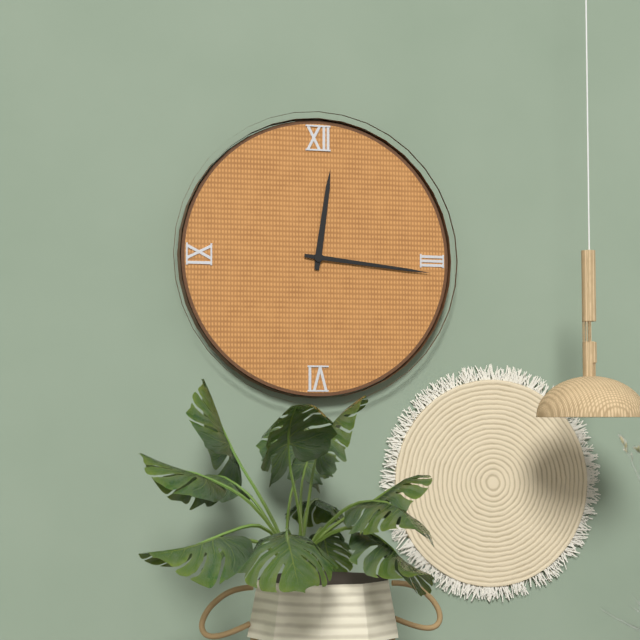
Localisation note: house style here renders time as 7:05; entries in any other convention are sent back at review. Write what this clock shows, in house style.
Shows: 12:16
